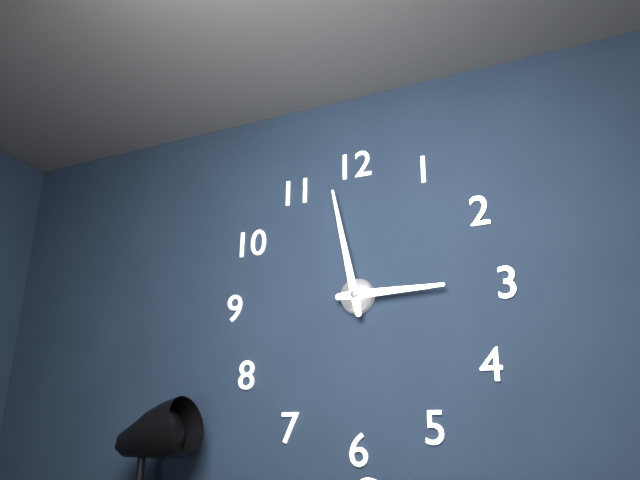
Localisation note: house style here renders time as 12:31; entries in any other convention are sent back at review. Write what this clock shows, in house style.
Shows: 2:58
